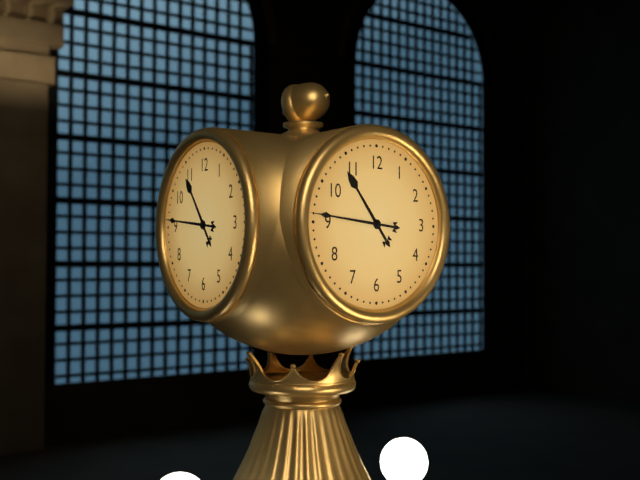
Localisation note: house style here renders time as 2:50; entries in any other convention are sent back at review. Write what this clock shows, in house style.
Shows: 10:46
